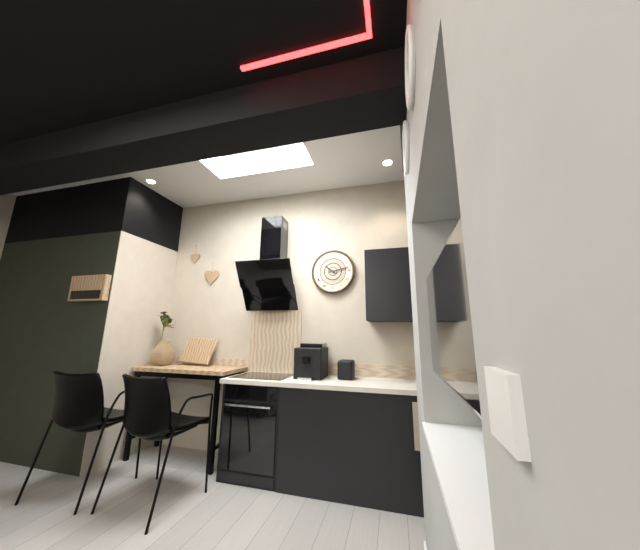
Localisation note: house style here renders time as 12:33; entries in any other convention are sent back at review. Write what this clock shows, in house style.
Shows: 10:13
